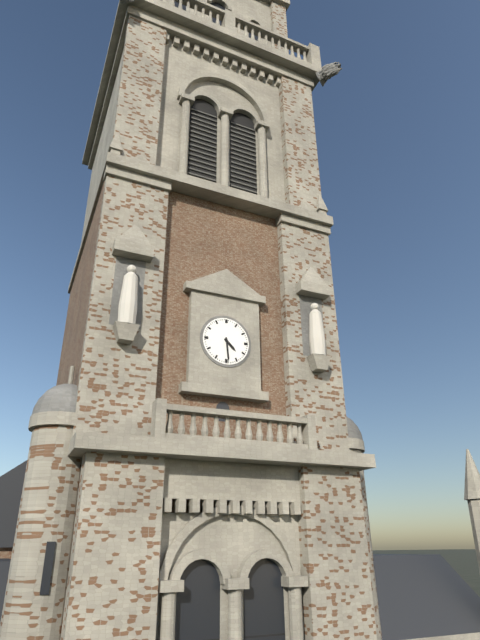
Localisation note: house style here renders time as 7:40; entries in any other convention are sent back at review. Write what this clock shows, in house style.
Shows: 4:29
